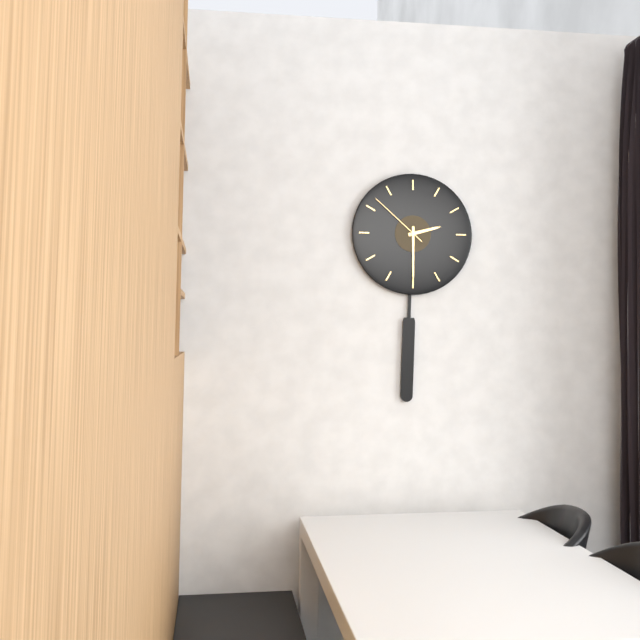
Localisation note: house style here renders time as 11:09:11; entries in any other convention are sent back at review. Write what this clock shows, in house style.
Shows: 2:30:52
